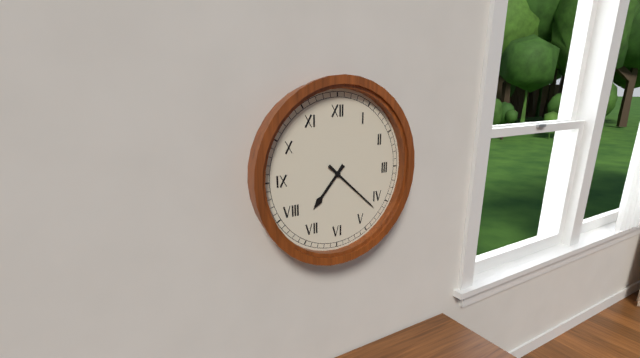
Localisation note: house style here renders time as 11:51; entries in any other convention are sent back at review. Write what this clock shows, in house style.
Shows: 7:22
